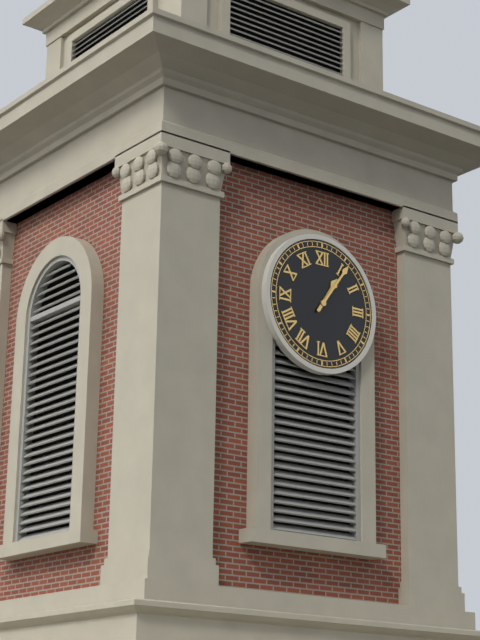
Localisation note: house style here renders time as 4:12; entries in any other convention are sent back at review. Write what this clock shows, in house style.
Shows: 1:06
